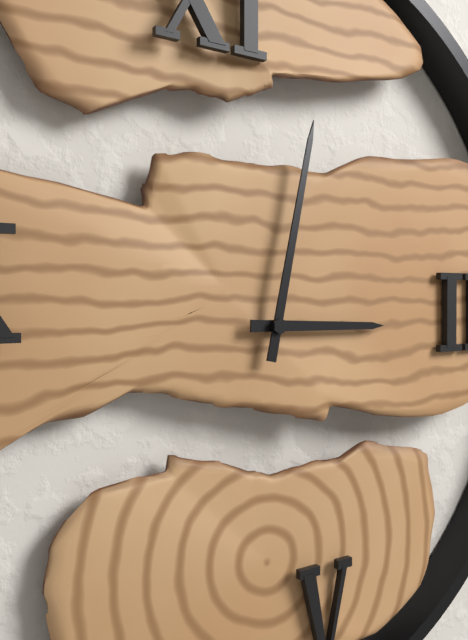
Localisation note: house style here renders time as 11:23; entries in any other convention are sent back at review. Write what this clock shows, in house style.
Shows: 3:02
